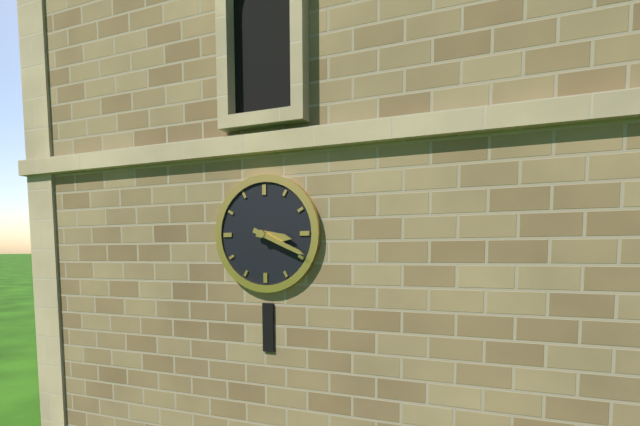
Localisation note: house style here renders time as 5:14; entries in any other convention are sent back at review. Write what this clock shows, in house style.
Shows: 3:19
